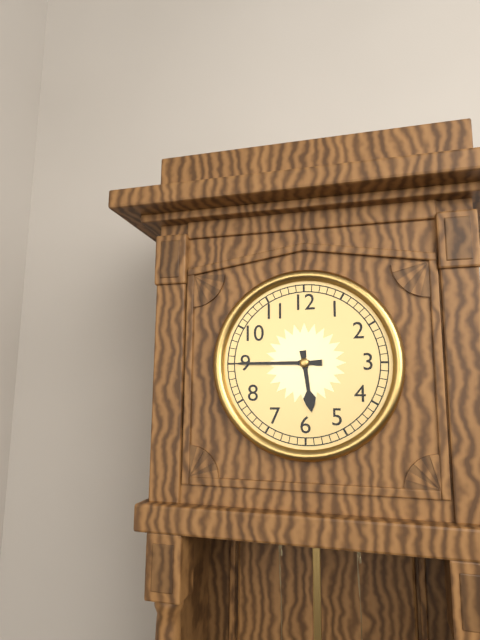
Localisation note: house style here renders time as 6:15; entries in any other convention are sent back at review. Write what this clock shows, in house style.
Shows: 5:45
